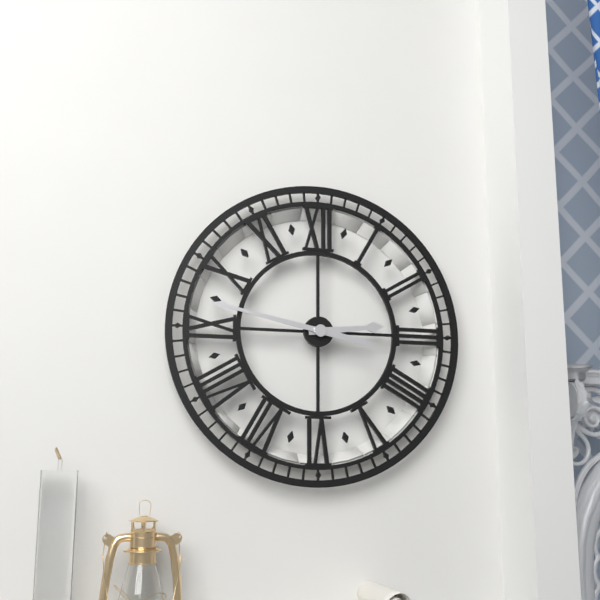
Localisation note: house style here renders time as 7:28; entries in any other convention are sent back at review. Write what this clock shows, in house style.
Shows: 2:47
